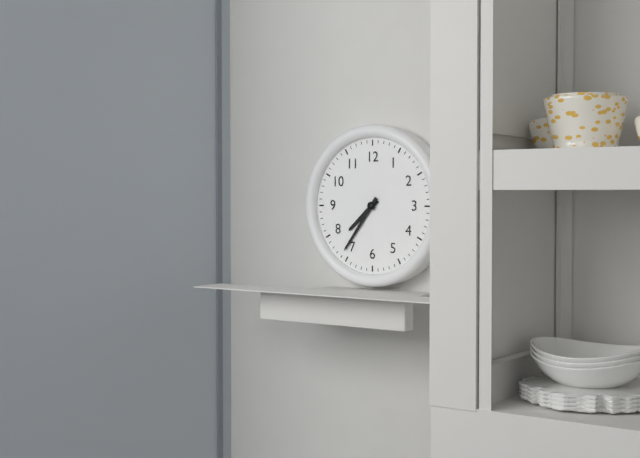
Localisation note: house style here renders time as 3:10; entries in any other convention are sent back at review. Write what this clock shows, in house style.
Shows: 7:36
